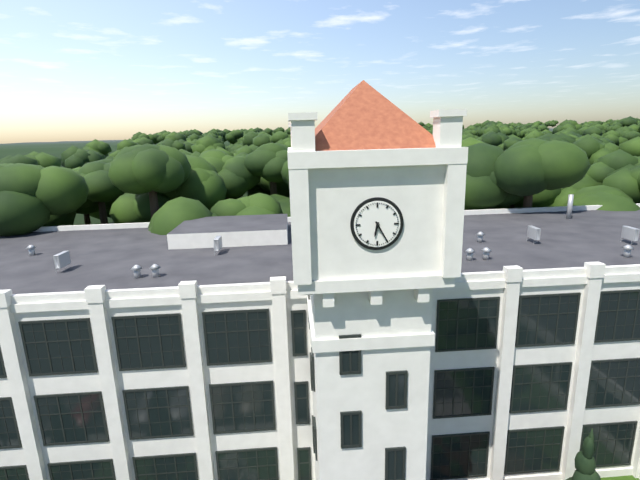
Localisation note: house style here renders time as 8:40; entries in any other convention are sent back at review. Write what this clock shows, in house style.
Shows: 6:25
